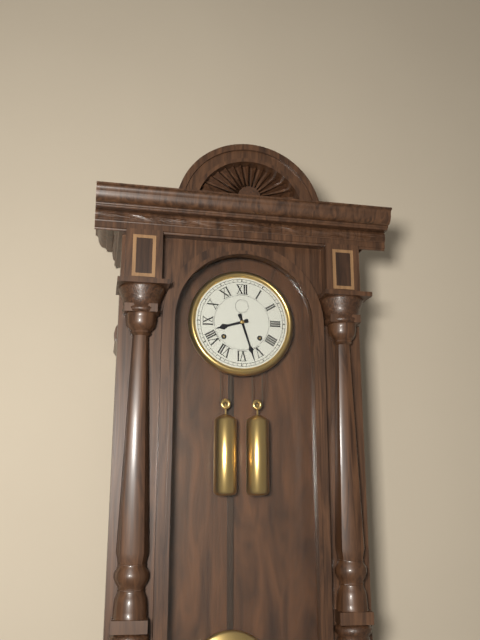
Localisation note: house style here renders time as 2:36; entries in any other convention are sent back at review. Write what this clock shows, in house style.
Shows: 8:27
